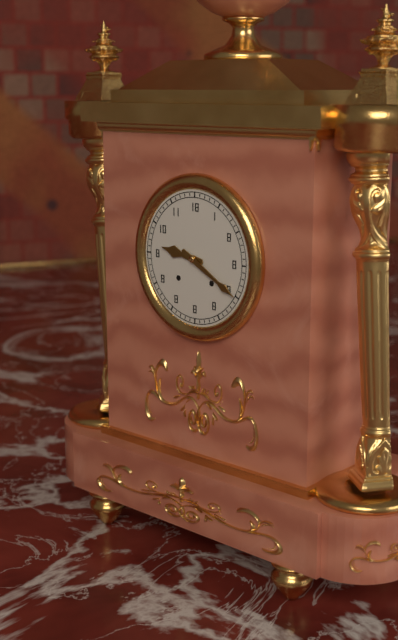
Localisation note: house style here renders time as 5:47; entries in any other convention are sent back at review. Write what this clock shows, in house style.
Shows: 9:20
